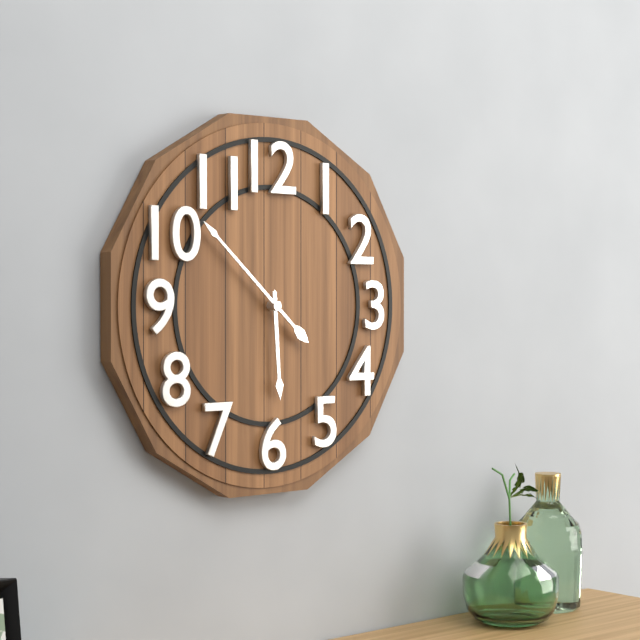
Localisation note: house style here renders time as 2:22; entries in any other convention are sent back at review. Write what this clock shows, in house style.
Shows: 5:52
